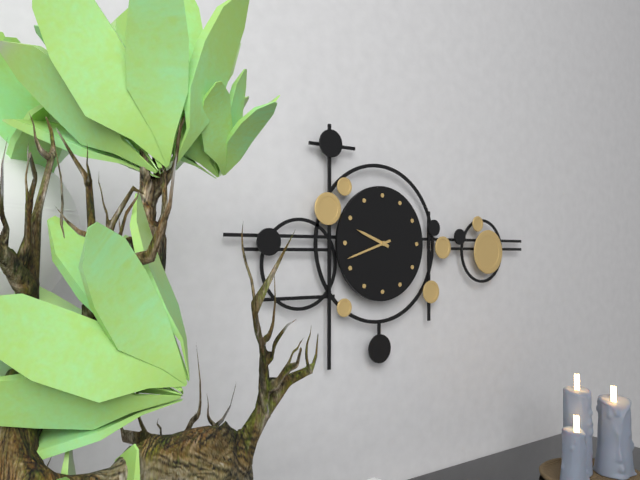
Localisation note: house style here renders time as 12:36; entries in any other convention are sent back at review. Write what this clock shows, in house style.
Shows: 9:42
